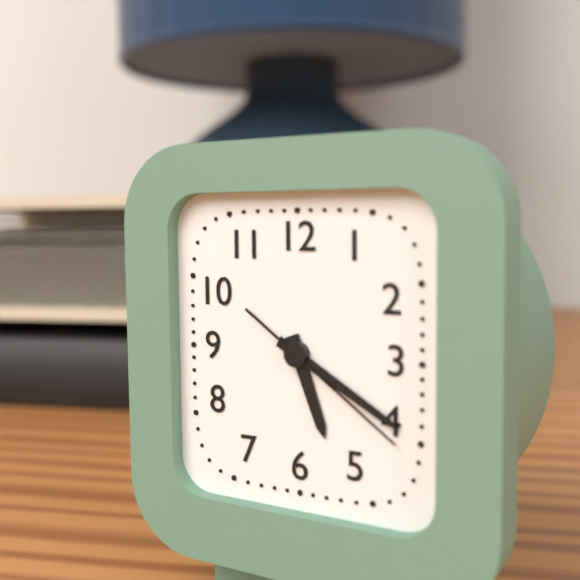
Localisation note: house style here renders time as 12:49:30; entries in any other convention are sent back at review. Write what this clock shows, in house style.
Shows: 5:20:21
